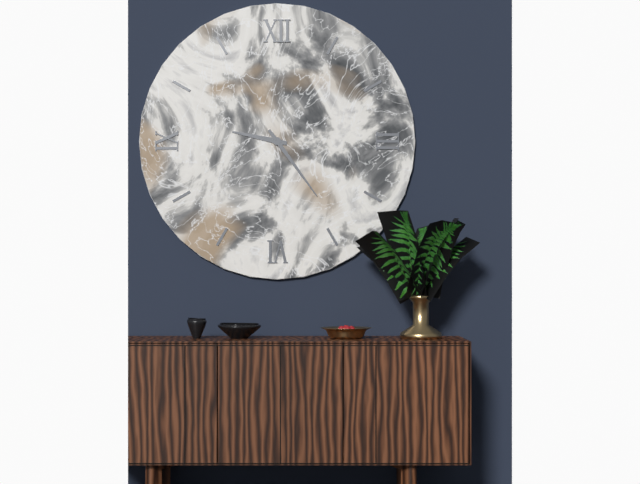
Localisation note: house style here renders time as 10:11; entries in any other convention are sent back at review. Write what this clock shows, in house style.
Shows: 9:24
